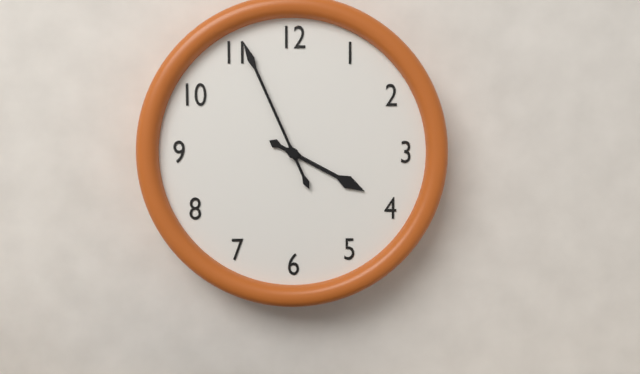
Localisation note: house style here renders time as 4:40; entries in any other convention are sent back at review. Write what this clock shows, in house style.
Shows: 3:56
